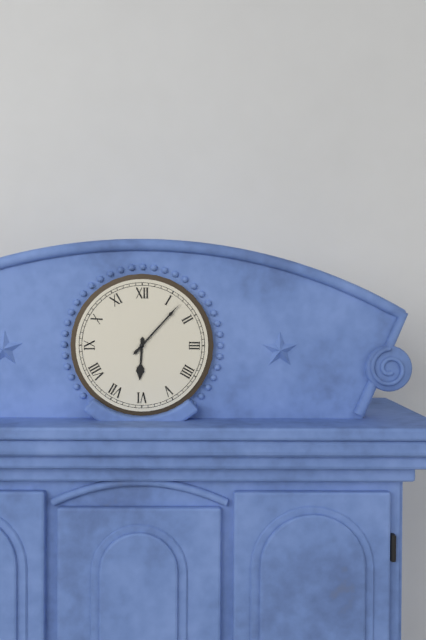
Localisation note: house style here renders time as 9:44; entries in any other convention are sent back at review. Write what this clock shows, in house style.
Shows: 6:07
